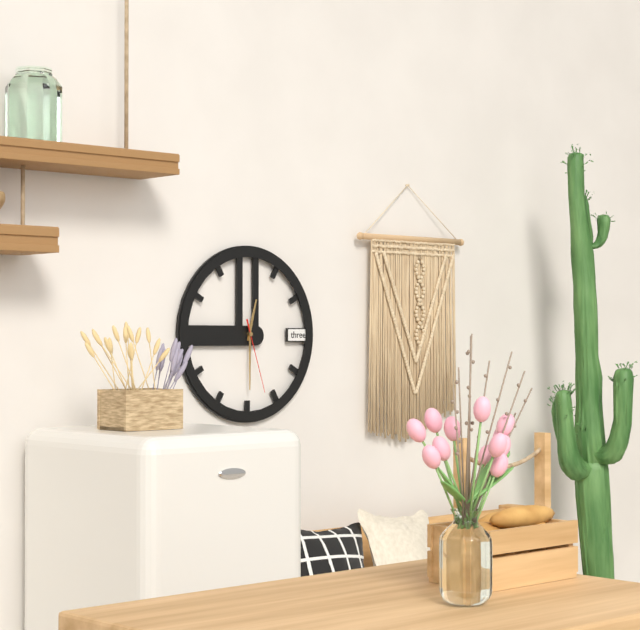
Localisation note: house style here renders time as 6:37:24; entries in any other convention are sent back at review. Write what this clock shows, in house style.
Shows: 12:30:27
